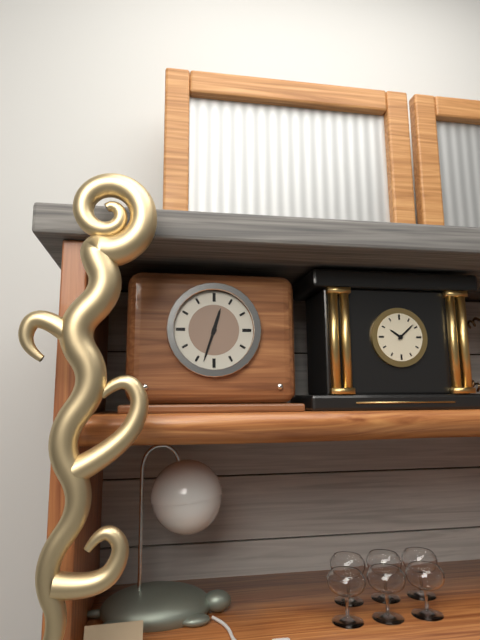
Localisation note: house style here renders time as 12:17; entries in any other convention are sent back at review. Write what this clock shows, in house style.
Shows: 12:33
